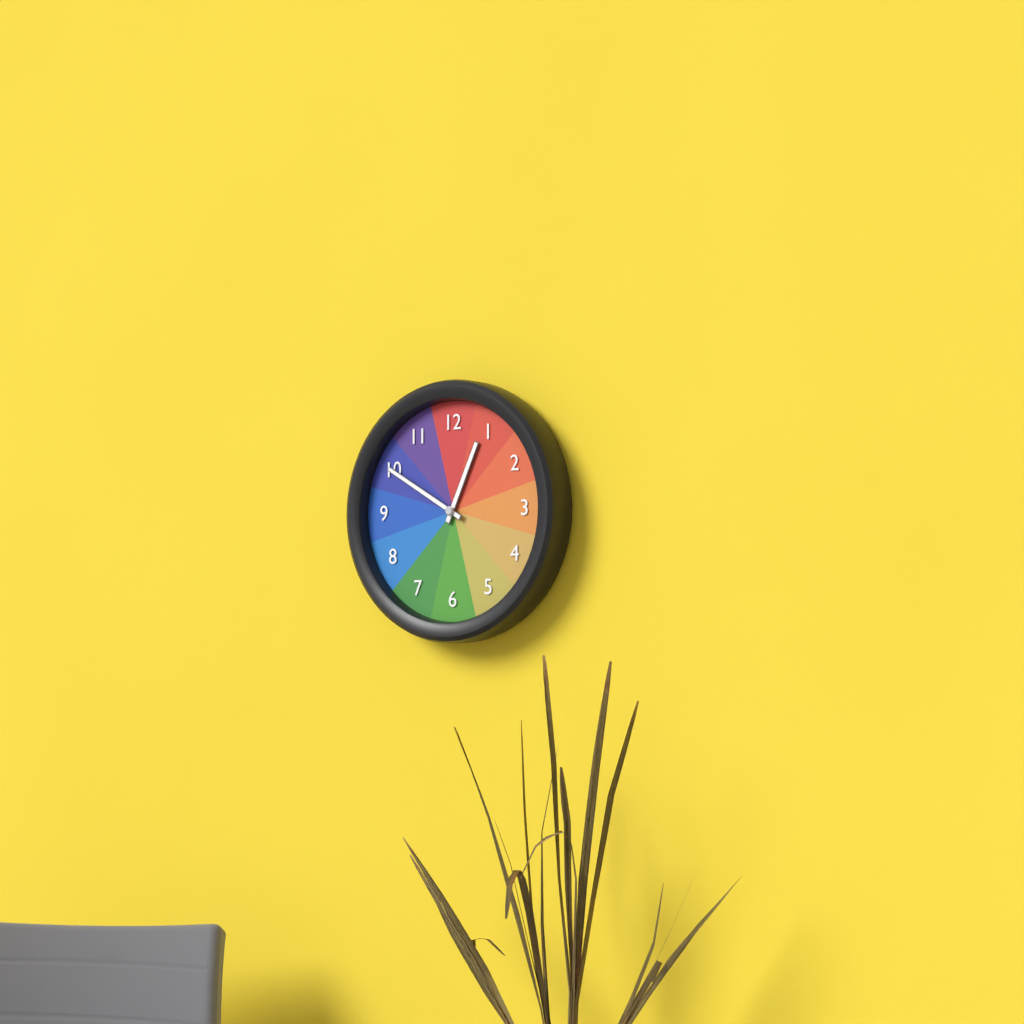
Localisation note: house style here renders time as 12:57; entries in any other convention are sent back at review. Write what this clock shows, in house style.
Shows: 12:50
